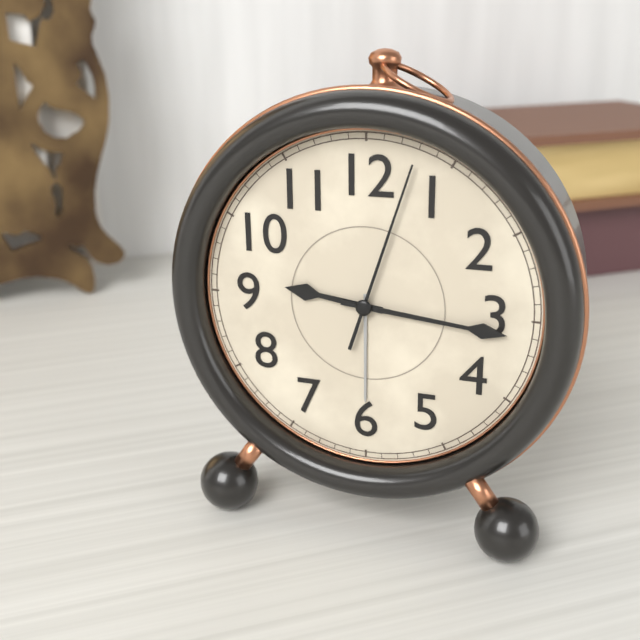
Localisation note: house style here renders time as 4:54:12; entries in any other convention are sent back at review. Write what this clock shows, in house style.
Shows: 9:16:03
